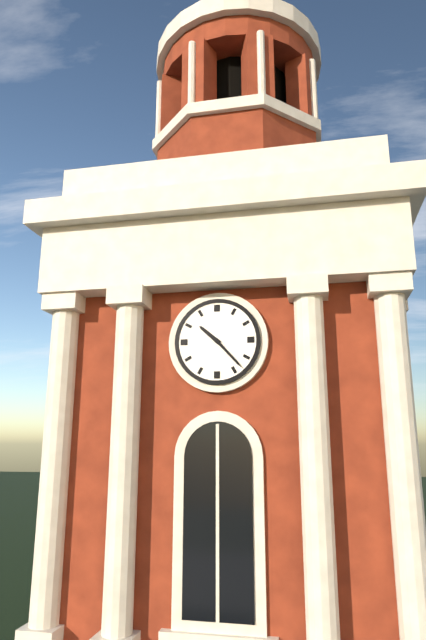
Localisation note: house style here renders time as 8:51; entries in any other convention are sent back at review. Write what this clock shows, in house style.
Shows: 10:23
